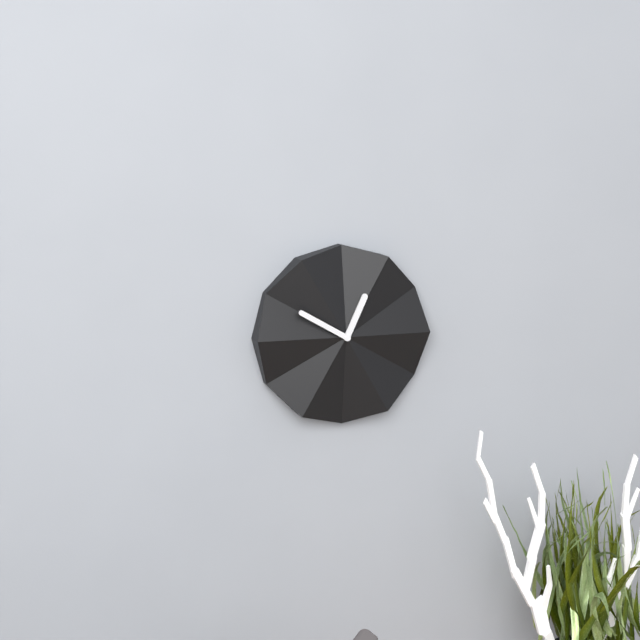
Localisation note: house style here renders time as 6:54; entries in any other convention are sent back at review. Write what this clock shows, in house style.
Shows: 12:50
